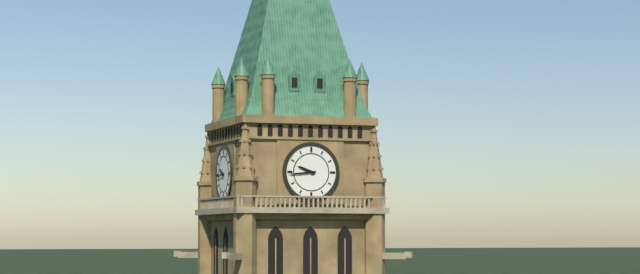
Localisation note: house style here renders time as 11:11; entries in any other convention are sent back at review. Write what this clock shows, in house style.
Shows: 9:44
